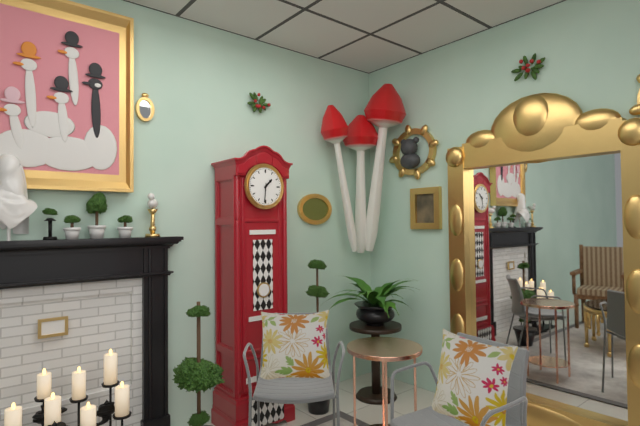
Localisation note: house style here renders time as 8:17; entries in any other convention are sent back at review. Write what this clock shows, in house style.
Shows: 1:31
